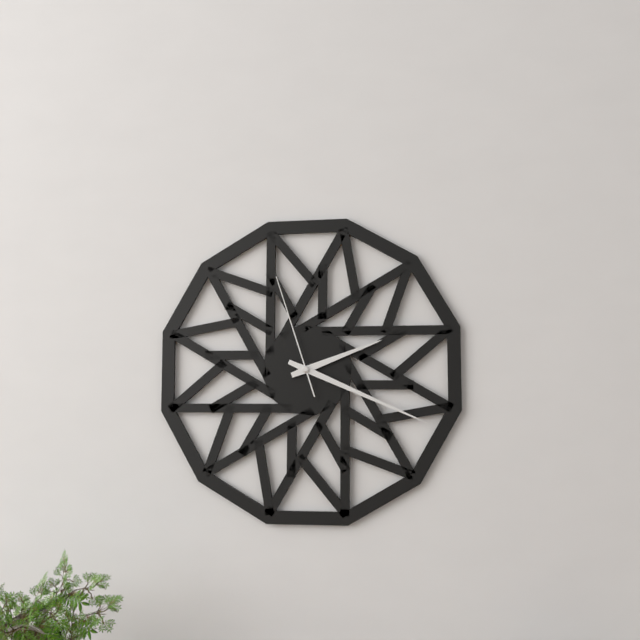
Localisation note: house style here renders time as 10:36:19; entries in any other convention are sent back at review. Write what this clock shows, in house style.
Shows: 2:19:57
